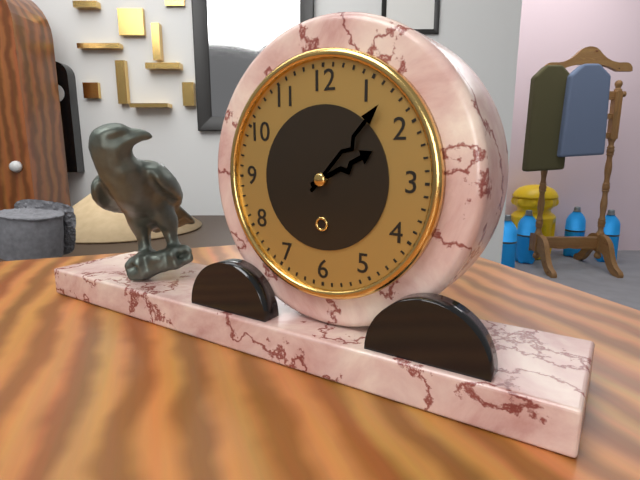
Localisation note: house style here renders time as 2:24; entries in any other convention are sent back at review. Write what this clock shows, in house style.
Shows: 2:07
